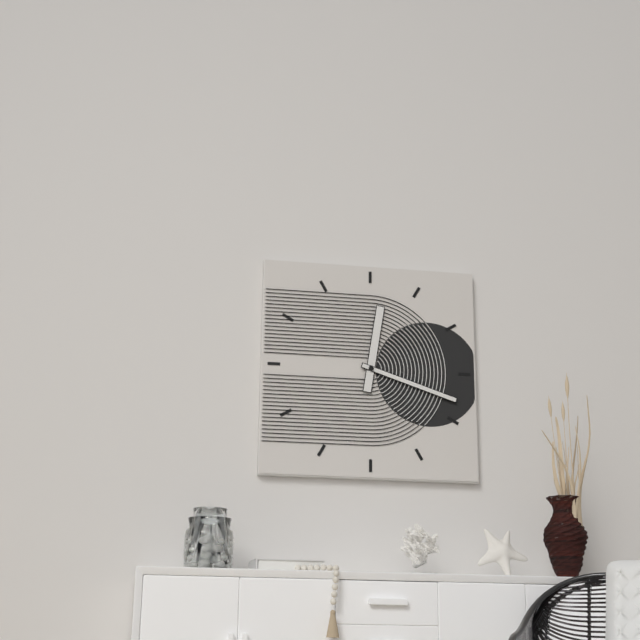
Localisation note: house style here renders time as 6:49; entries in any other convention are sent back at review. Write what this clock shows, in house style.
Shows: 12:18
